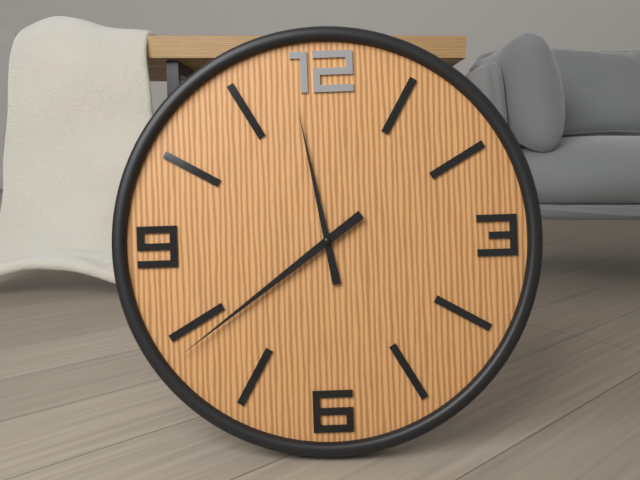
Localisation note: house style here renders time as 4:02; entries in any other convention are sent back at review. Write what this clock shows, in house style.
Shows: 11:39
